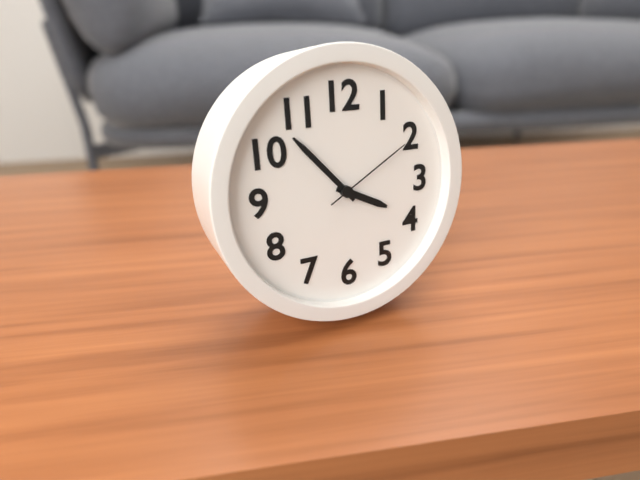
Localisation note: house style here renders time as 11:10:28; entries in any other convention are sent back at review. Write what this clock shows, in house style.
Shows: 3:53:10
